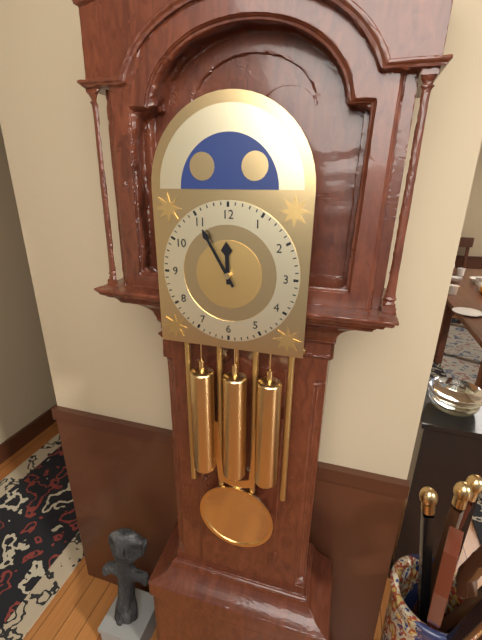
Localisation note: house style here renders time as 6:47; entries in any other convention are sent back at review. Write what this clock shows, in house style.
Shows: 11:55
